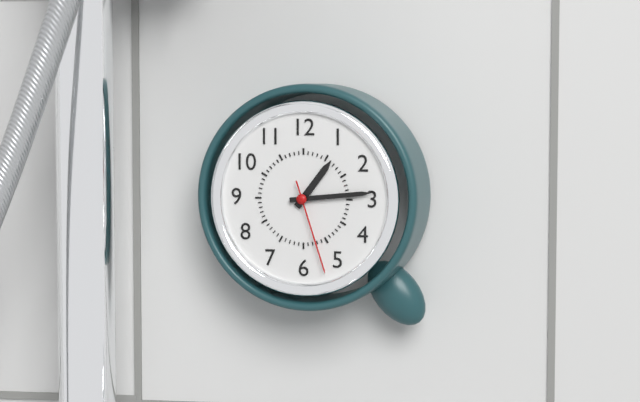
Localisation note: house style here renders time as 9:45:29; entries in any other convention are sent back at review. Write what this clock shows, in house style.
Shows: 1:14:27
